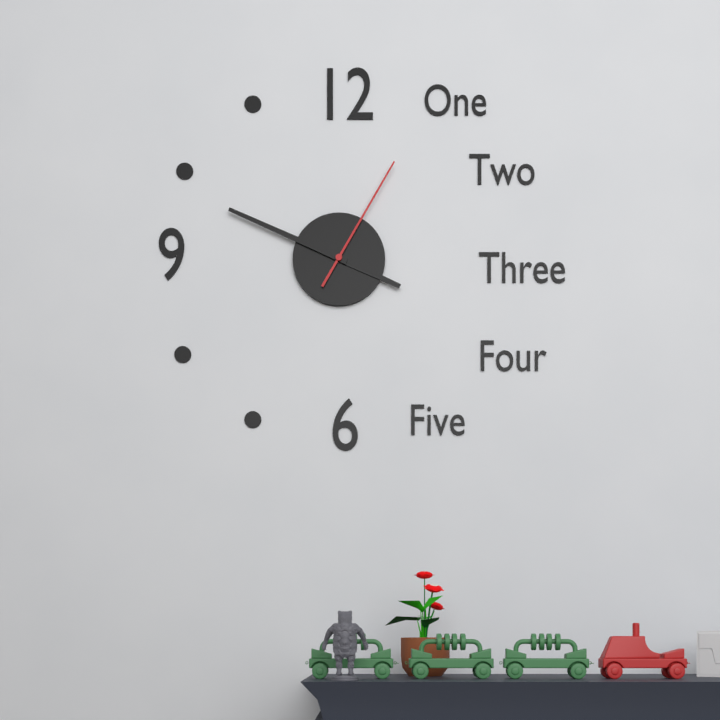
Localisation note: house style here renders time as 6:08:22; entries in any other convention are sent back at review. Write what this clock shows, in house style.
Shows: 3:49:05
